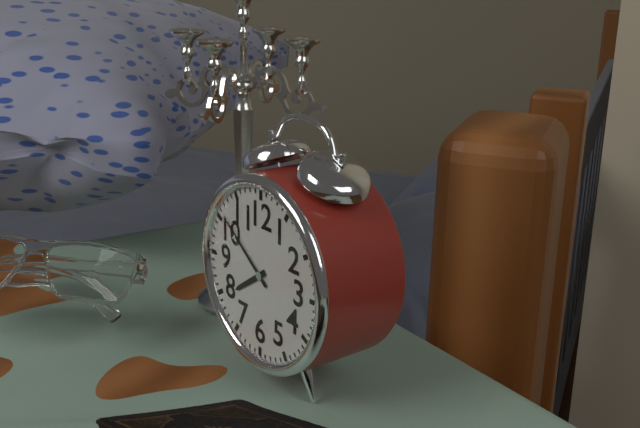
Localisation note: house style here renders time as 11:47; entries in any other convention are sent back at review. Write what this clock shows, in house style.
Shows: 7:51
